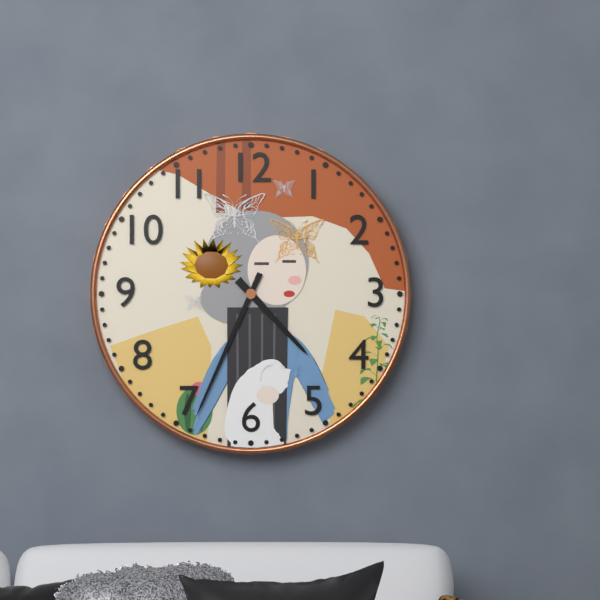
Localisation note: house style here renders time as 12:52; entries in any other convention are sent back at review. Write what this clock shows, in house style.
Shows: 4:34
